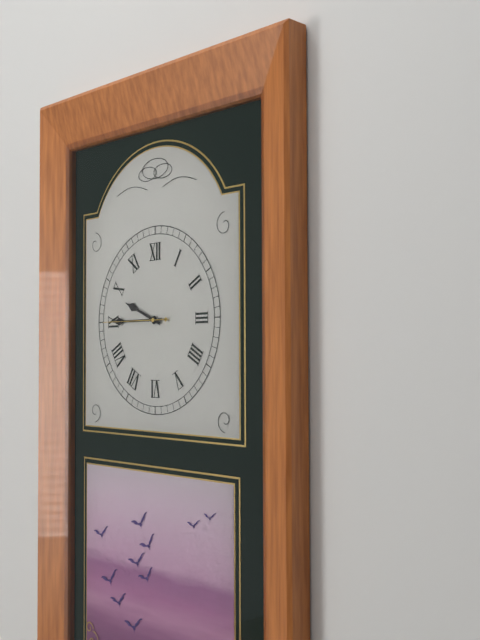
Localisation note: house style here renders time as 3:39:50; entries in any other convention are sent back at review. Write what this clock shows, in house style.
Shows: 9:45:45
